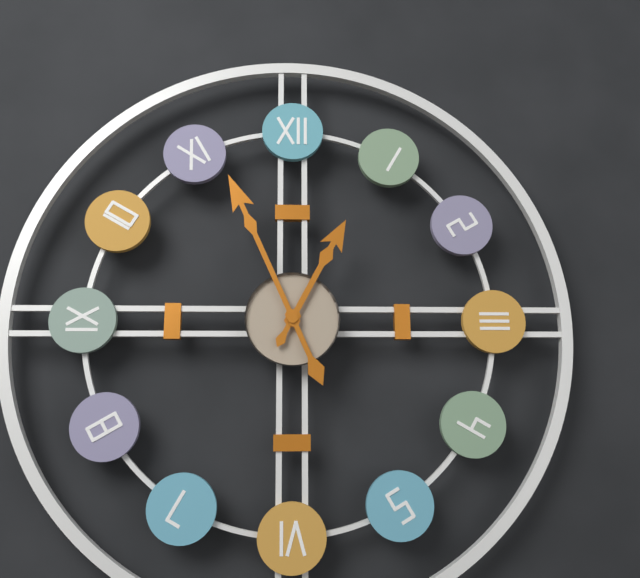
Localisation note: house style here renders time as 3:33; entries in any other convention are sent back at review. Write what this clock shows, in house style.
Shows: 12:56
